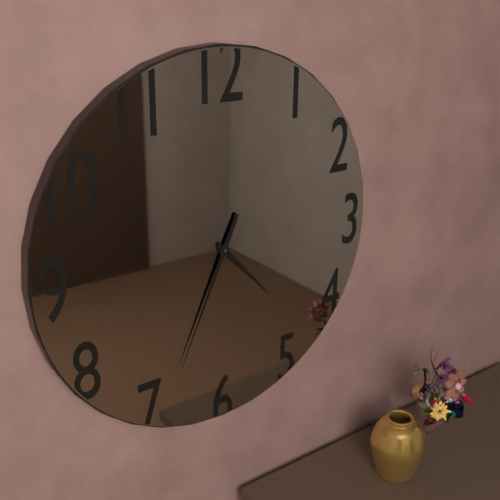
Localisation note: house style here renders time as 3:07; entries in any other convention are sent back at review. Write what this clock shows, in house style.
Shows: 4:34
